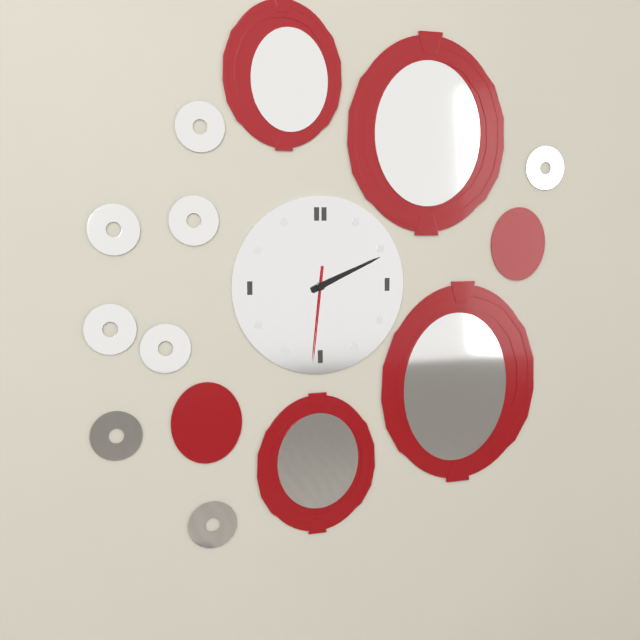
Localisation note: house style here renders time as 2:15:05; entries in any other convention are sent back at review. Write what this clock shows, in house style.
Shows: 2:11:31
